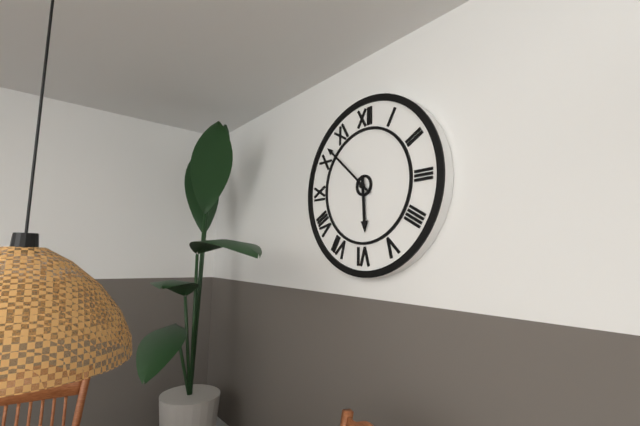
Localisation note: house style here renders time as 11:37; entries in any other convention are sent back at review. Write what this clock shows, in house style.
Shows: 5:52
